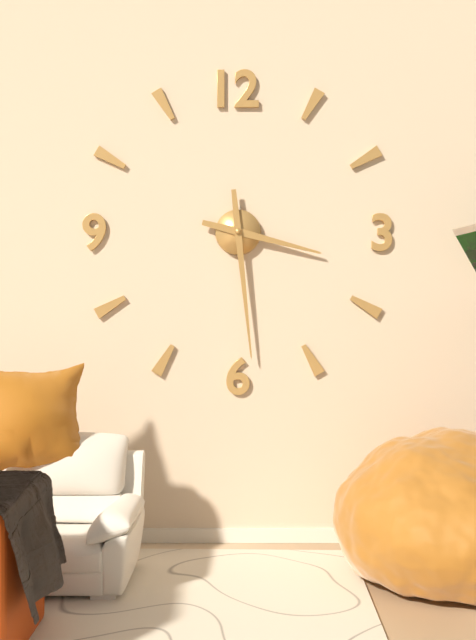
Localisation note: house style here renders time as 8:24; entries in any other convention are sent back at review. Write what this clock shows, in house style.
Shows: 3:29
